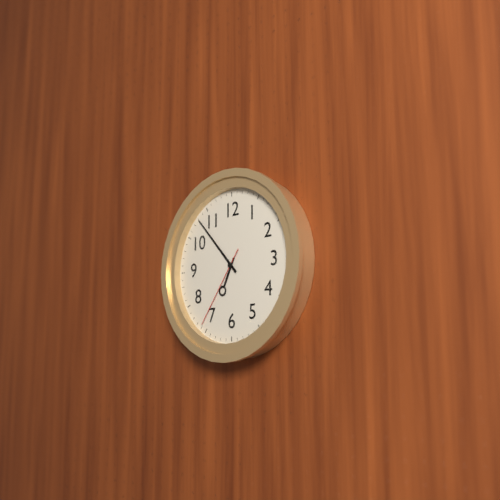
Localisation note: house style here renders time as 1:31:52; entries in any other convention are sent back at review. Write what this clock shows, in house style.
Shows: 6:53:36
